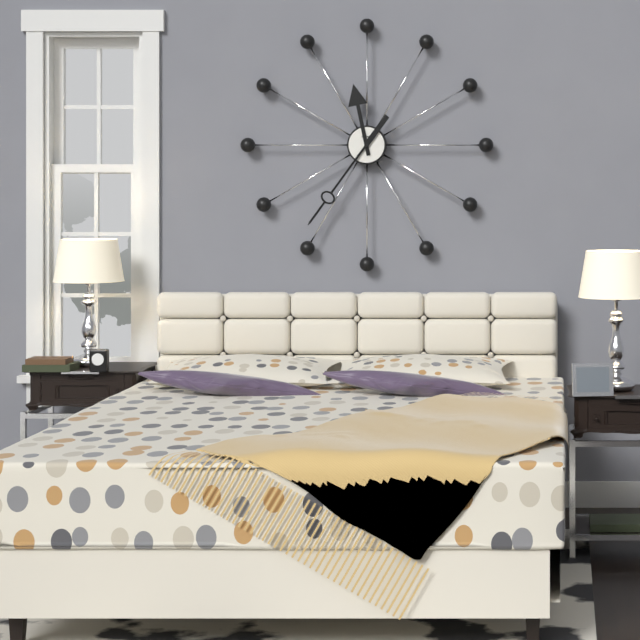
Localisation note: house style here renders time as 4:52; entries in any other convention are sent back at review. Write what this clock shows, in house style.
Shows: 11:36
